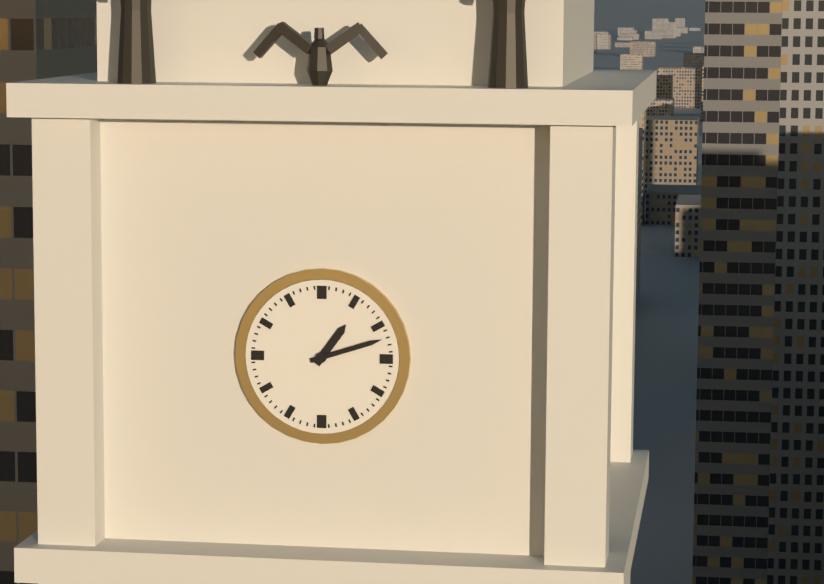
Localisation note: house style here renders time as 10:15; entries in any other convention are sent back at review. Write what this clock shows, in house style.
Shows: 1:12
